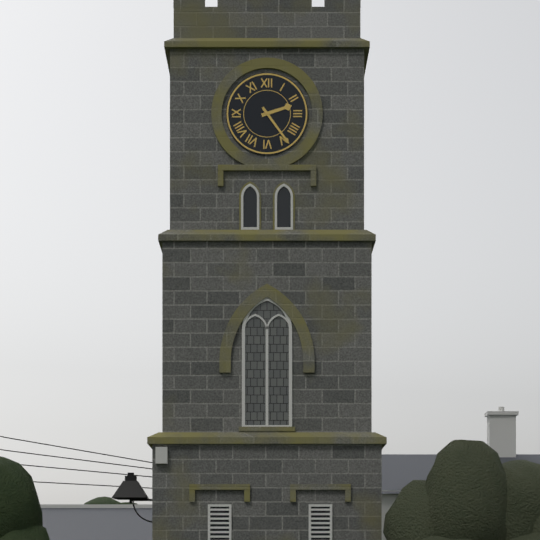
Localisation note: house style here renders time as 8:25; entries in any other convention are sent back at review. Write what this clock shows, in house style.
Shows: 2:24
